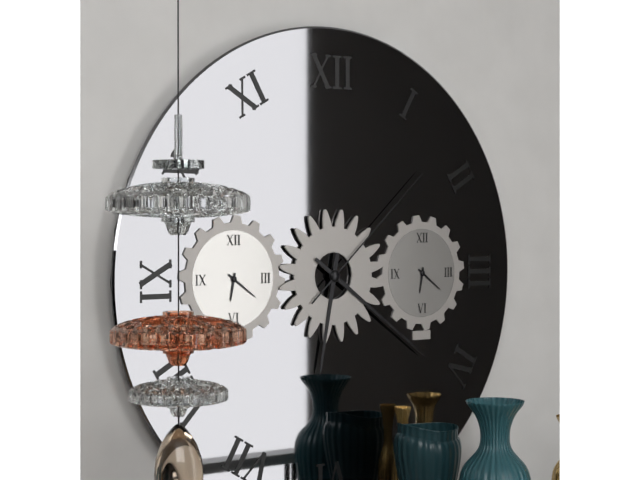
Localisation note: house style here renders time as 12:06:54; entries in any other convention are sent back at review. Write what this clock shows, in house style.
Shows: 6:21:08
